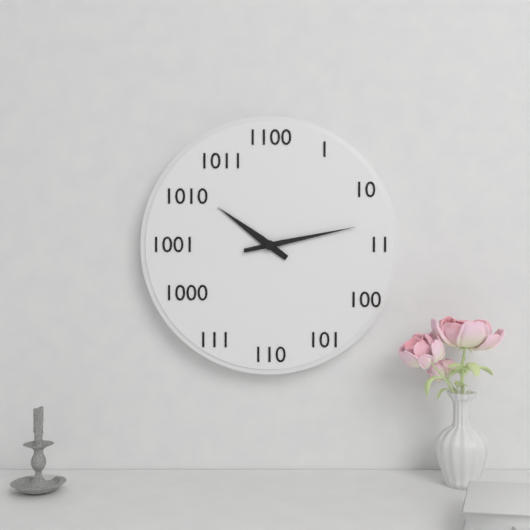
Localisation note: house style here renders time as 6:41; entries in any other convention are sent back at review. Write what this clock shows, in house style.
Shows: 10:13
